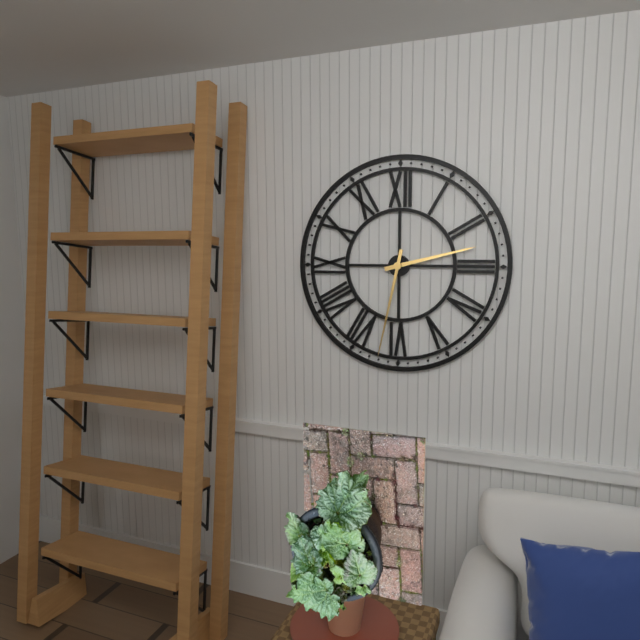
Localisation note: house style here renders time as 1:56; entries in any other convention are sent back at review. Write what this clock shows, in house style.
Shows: 2:32
